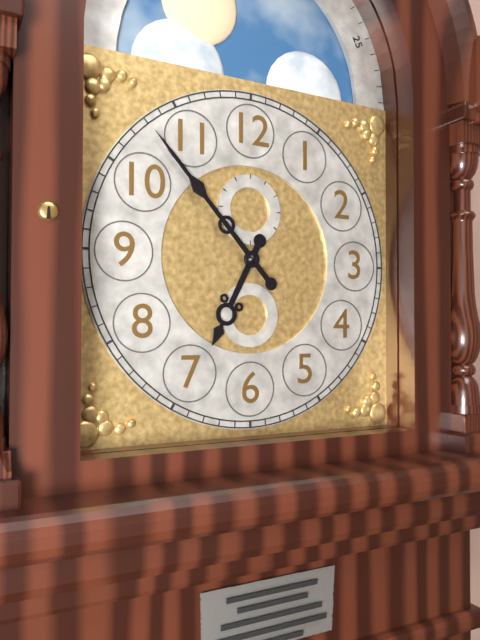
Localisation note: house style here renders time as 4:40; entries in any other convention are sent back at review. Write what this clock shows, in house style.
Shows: 6:53
